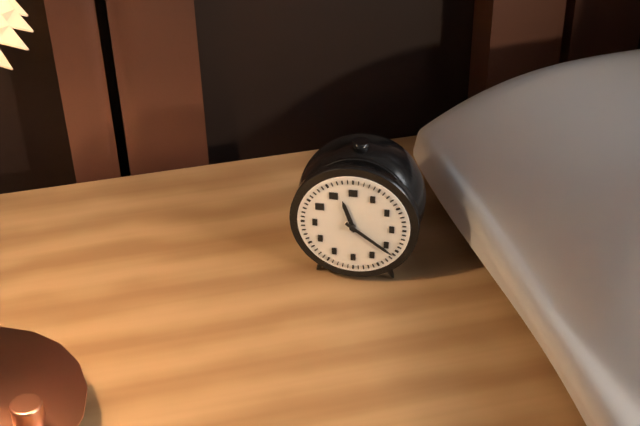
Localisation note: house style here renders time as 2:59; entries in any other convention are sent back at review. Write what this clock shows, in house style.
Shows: 11:21
